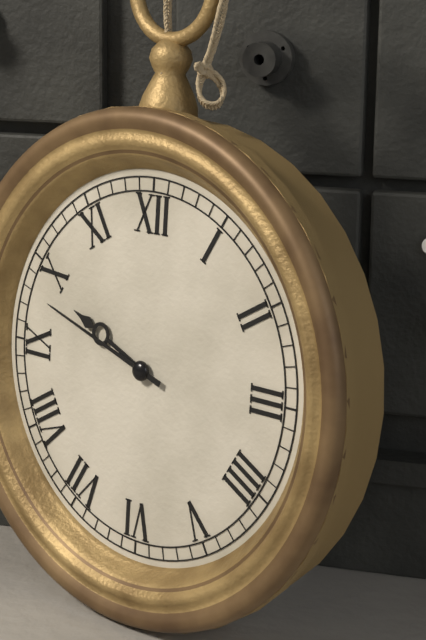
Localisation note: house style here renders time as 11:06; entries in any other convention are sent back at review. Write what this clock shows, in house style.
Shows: 9:48
